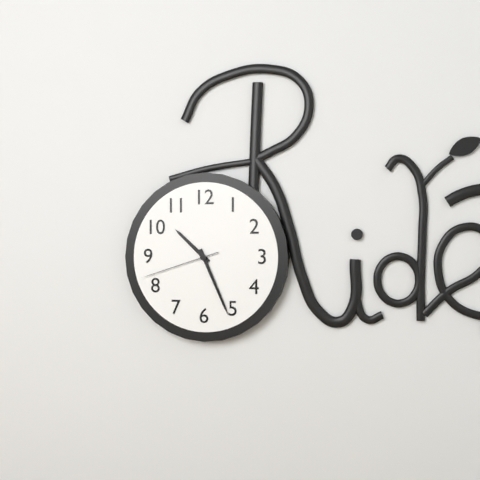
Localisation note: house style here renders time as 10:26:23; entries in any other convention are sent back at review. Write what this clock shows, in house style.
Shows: 10:26:42
